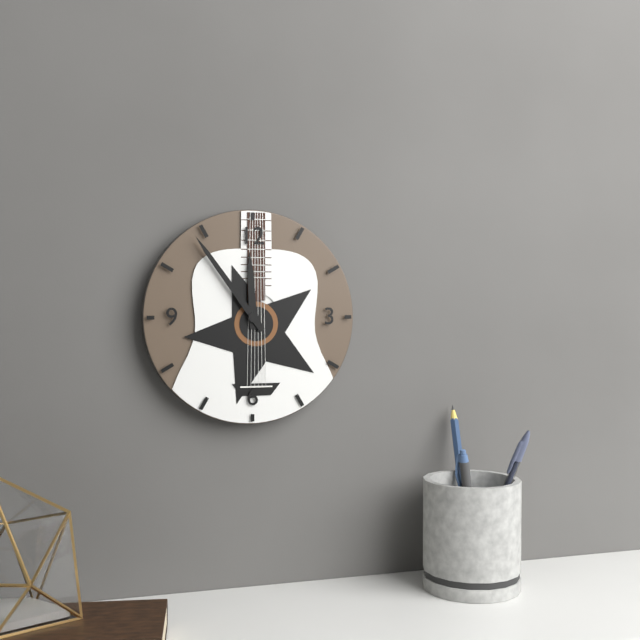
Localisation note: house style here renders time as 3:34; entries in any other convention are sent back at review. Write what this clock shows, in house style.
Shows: 11:54
